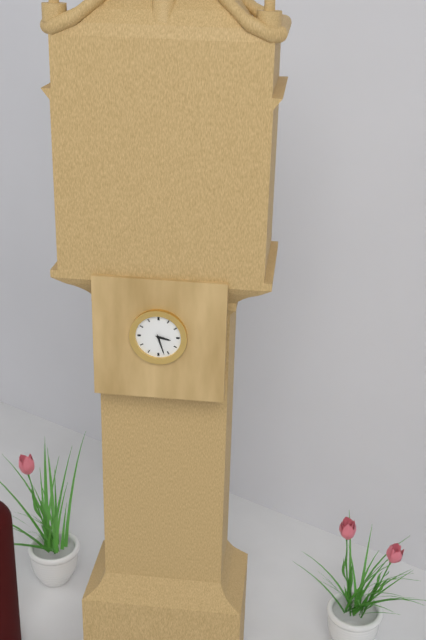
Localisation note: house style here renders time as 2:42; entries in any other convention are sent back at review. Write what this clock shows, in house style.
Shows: 3:27
